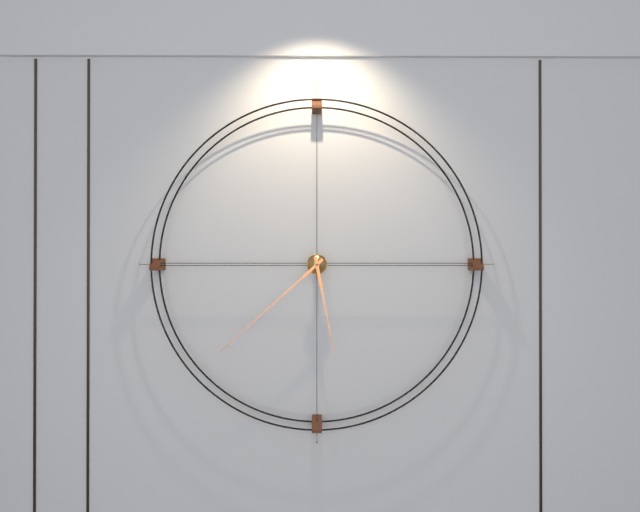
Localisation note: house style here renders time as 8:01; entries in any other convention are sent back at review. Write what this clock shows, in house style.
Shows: 5:38
